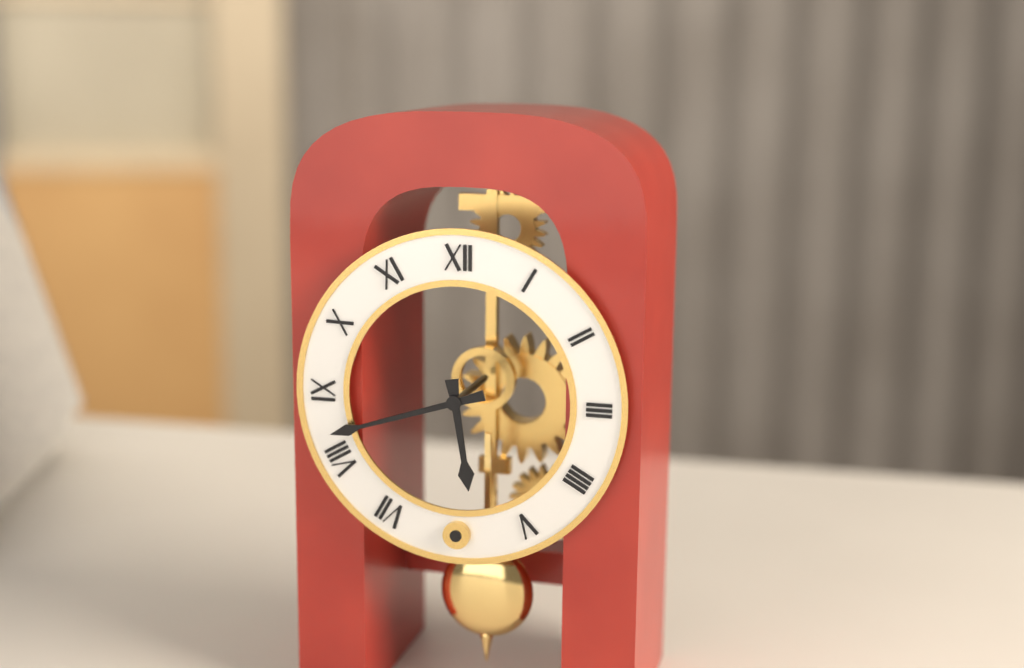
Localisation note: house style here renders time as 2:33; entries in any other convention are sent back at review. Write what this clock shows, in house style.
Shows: 5:42
